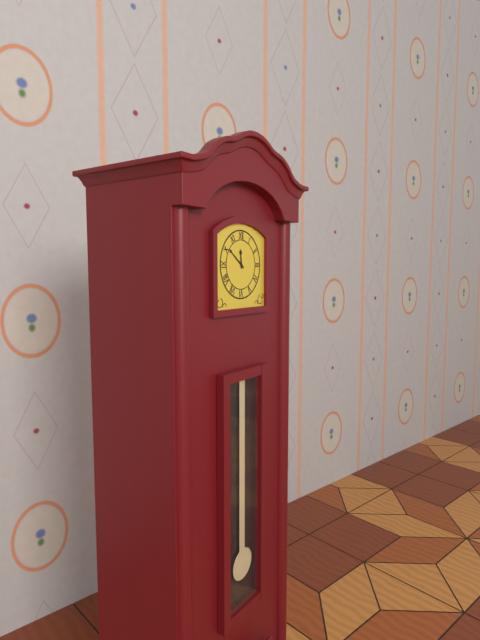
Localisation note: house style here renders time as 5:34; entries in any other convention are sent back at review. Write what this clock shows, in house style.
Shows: 11:51
